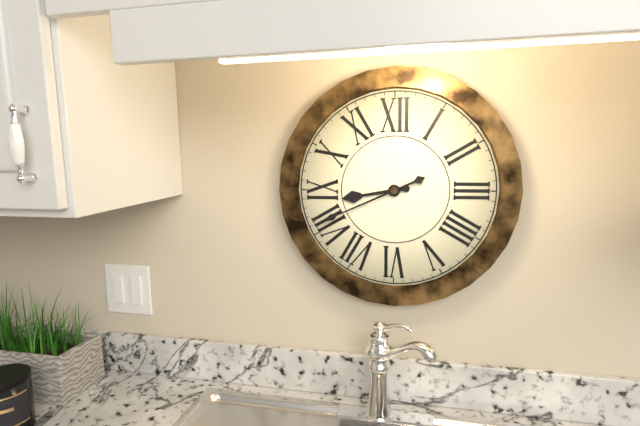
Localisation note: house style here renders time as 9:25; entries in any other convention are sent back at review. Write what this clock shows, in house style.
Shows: 8:41
